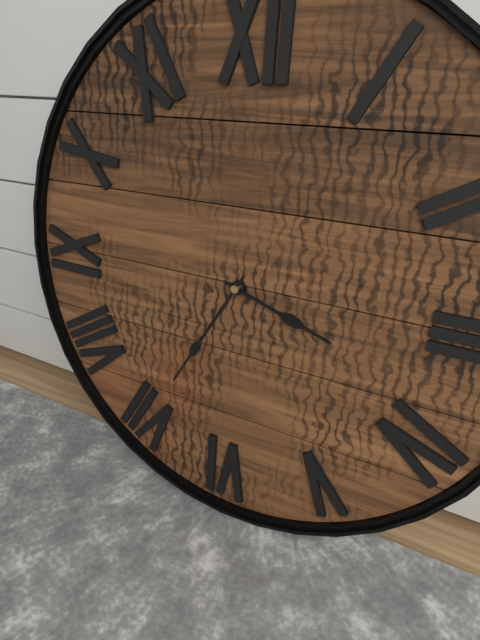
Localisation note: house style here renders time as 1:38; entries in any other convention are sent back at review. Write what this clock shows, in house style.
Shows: 3:35
